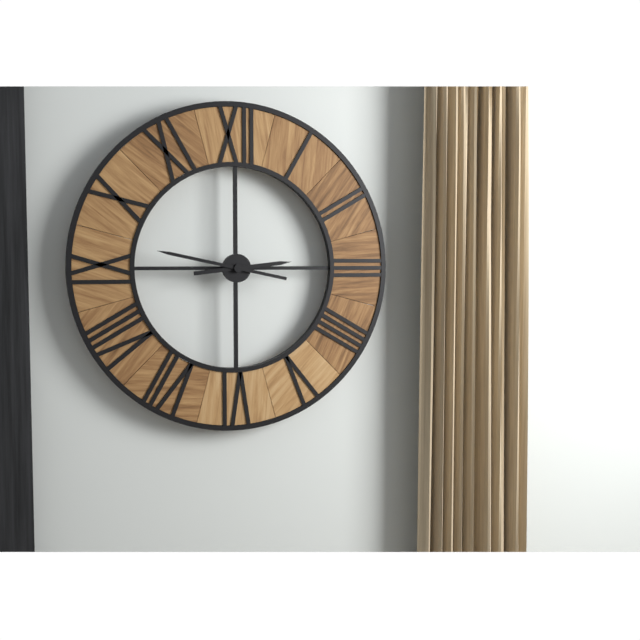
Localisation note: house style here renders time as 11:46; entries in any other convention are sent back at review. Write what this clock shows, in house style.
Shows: 2:47
